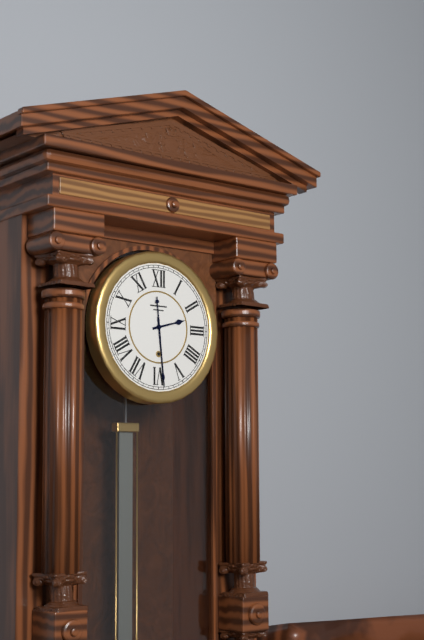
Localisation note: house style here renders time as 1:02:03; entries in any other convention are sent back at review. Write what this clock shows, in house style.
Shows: 2:29:29
